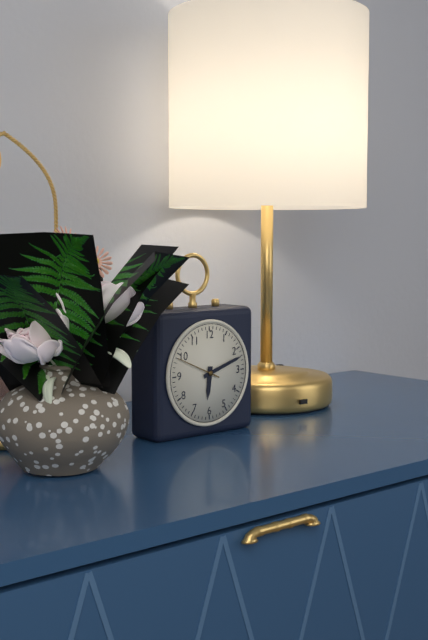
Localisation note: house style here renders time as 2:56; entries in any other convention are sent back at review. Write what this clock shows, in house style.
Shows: 6:12
